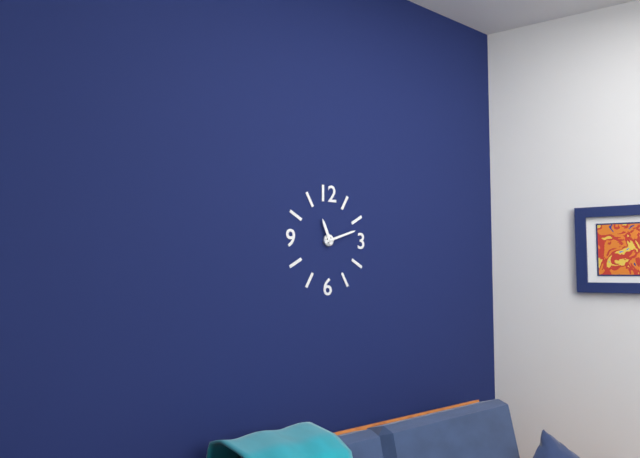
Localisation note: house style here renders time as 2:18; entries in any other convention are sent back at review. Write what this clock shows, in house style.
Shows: 11:12
